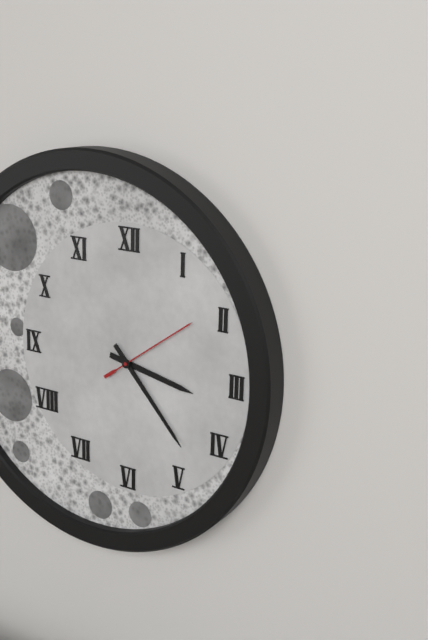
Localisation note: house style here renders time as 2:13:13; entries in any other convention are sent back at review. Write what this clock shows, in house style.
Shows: 3:23:09
